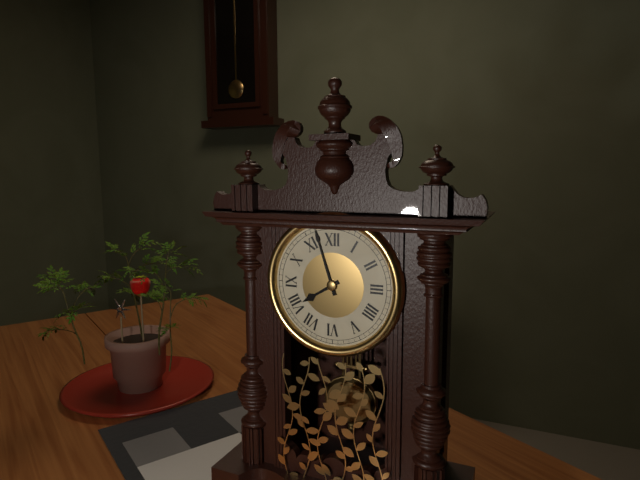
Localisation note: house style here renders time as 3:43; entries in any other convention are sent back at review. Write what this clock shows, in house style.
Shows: 7:57
